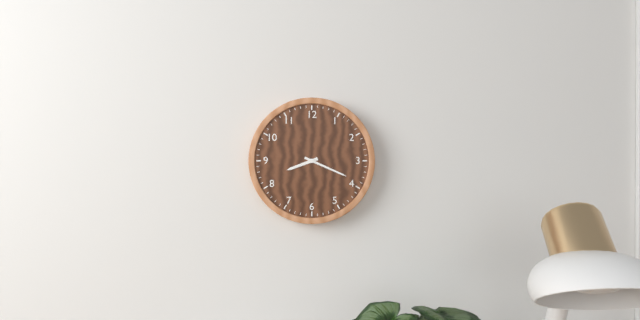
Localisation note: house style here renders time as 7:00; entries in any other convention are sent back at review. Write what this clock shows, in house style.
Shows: 8:19
